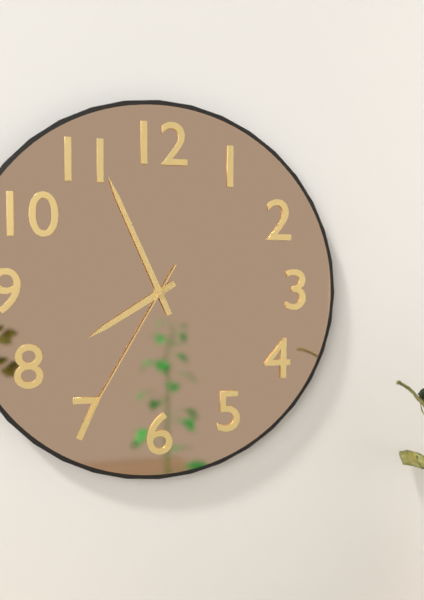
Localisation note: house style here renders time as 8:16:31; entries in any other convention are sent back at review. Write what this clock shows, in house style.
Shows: 7:56:35
